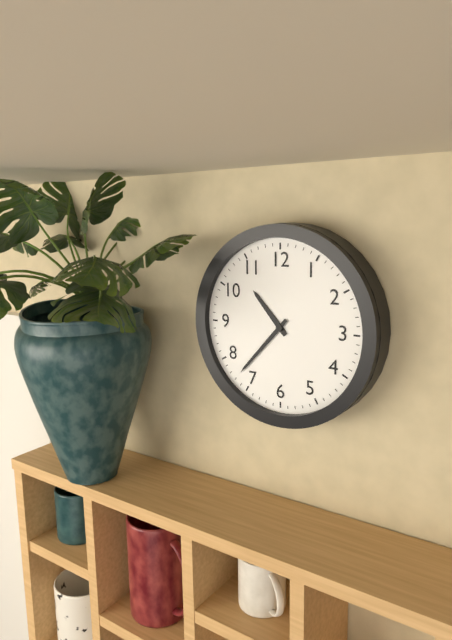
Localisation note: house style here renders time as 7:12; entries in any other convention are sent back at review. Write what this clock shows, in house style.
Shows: 10:37
